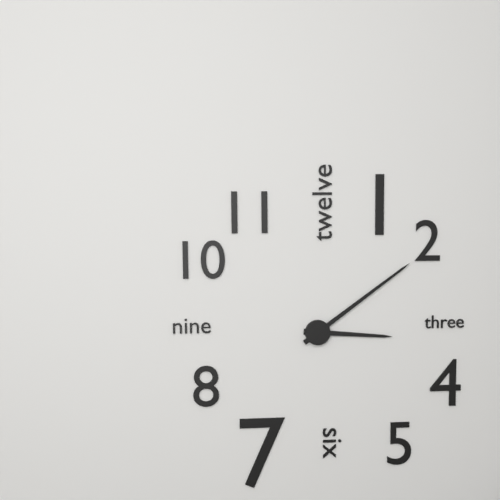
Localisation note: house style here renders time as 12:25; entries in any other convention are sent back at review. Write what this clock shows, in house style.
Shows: 3:09
